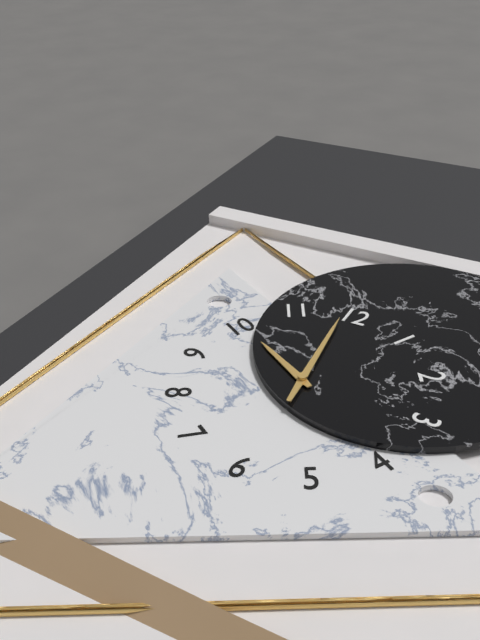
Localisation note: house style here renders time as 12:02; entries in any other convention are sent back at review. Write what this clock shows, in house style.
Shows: 9:59
